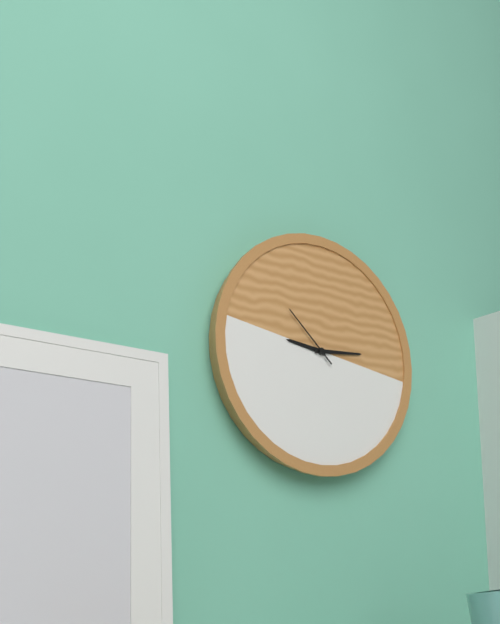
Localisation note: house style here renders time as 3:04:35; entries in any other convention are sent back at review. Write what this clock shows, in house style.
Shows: 9:14:52
